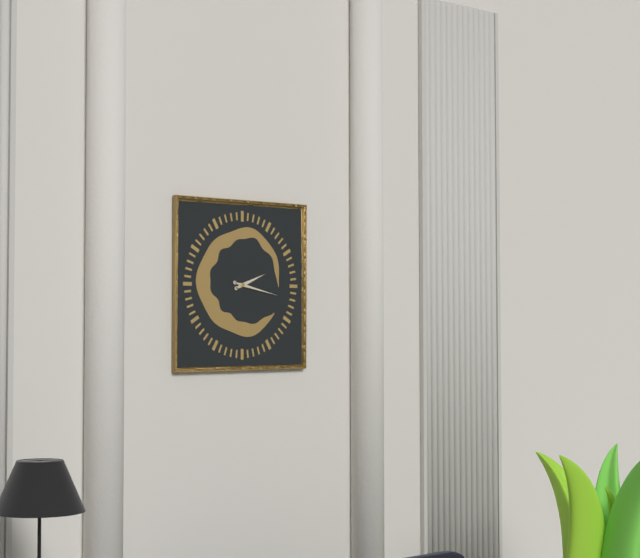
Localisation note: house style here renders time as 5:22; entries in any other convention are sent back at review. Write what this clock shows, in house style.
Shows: 2:17
